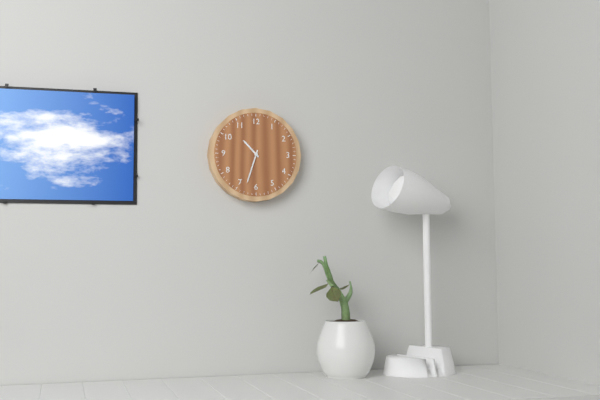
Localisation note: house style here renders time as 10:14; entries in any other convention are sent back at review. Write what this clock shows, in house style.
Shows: 10:33
